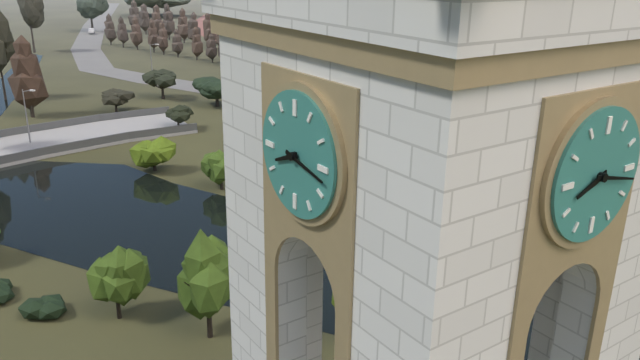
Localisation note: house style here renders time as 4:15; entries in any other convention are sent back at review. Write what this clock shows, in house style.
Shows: 8:17
